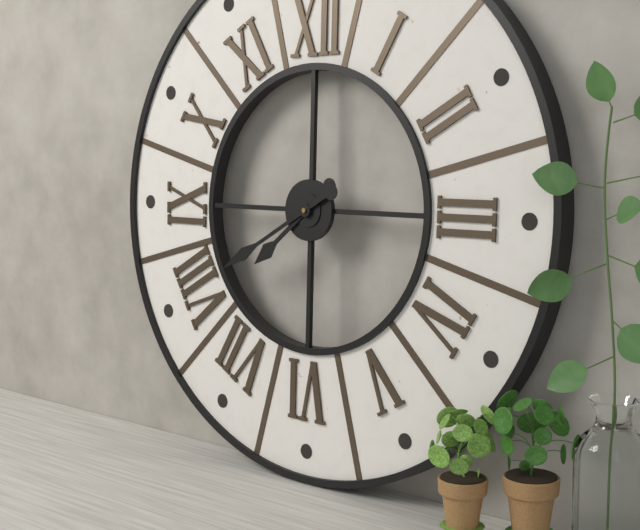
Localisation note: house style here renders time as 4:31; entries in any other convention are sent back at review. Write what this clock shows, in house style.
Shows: 7:40
